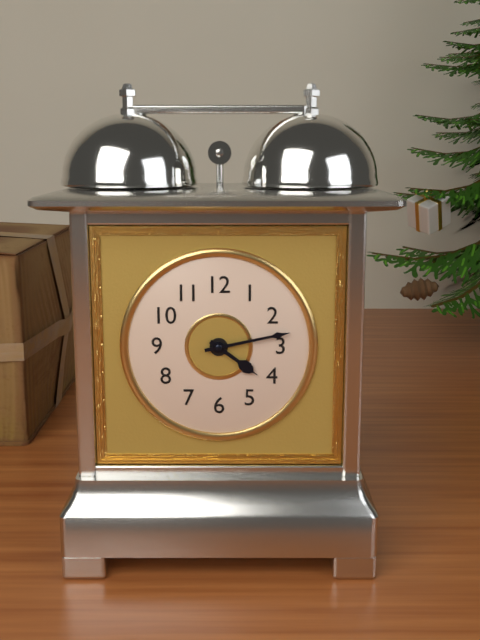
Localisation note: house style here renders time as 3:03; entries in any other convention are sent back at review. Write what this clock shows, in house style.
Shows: 4:13
